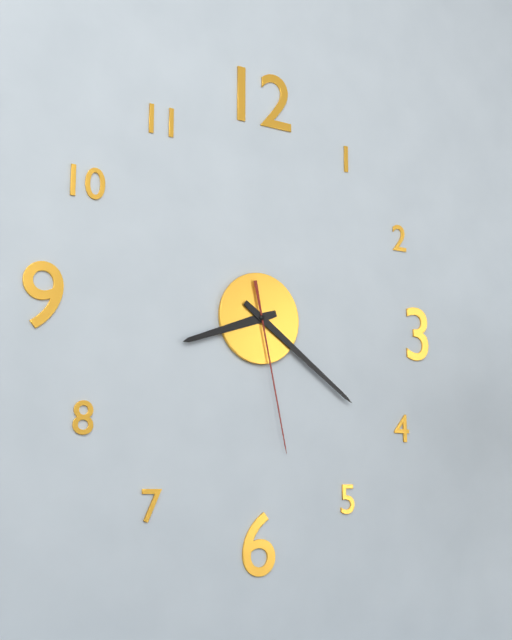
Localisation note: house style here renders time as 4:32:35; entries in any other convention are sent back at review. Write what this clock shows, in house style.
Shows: 8:21:28
